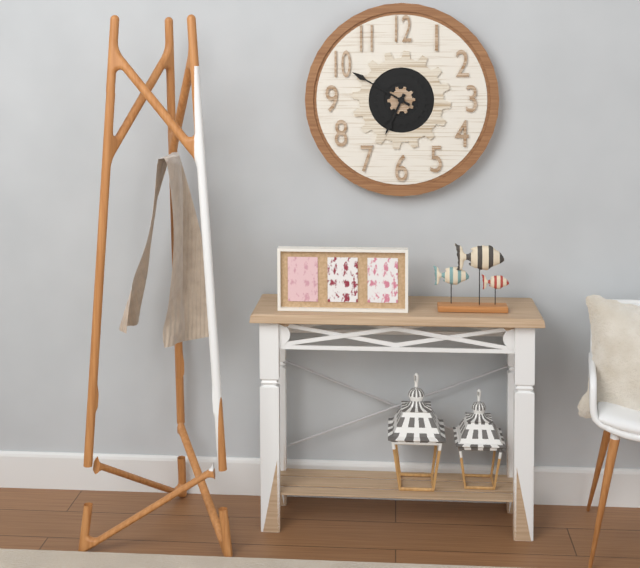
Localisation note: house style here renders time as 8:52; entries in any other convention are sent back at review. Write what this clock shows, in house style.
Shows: 6:50
